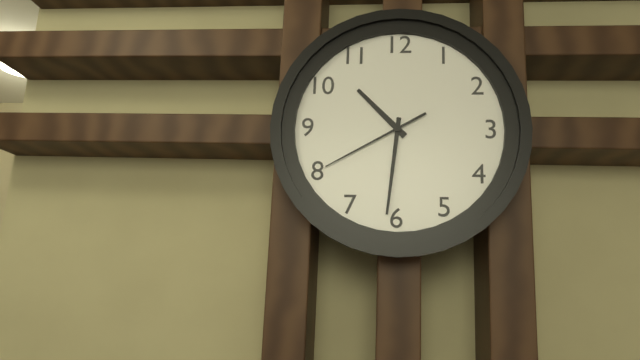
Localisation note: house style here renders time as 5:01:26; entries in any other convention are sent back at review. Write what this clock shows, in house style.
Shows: 10:31:40
